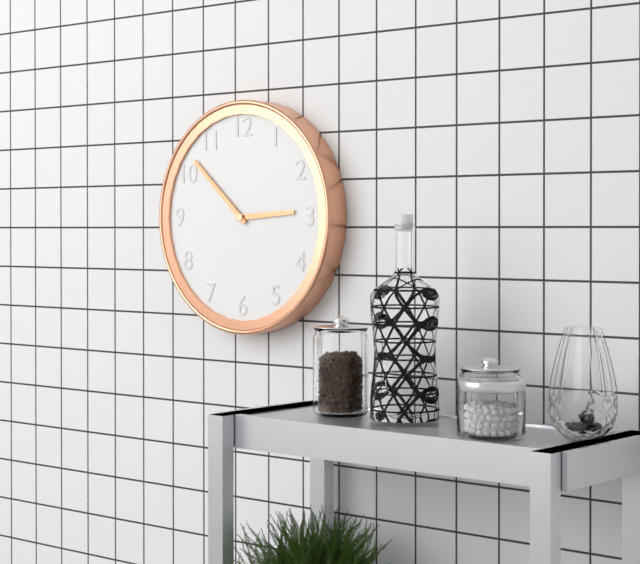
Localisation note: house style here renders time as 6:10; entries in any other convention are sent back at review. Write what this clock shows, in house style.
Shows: 2:52
